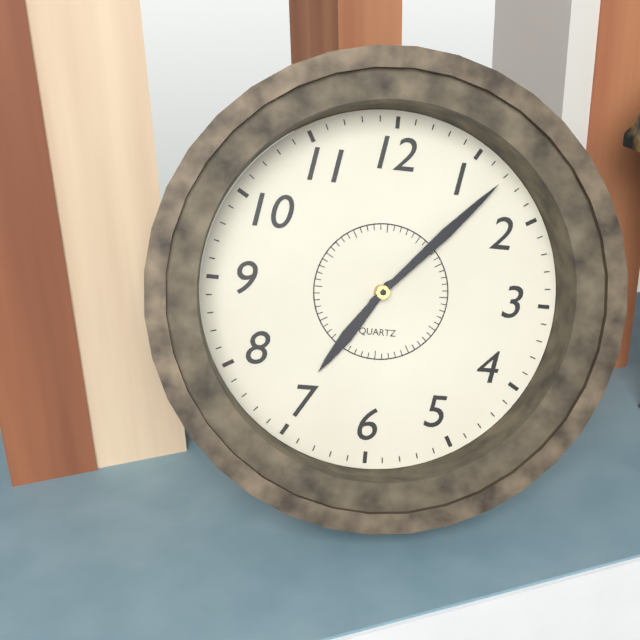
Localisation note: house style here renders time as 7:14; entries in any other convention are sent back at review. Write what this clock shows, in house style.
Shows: 7:07
